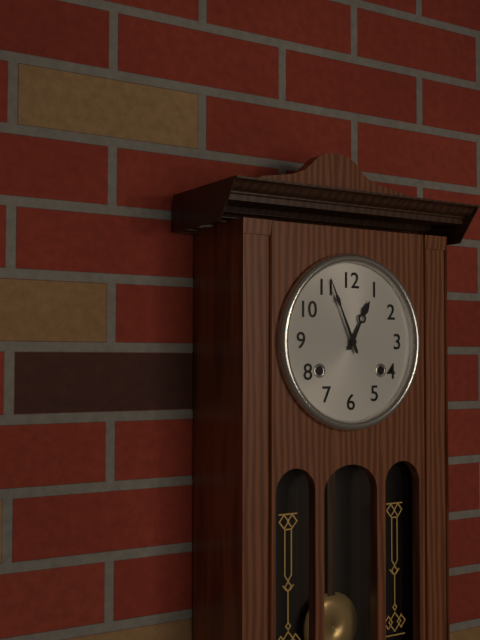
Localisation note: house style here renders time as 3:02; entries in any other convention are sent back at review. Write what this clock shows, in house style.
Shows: 12:56
